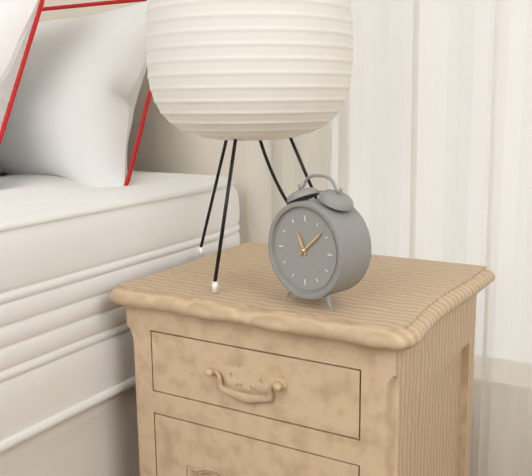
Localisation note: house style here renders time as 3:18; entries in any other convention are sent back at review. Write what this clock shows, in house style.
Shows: 11:08
